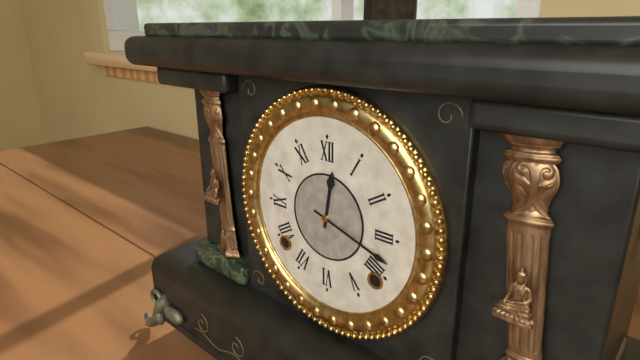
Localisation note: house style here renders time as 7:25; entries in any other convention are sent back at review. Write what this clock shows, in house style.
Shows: 12:18
